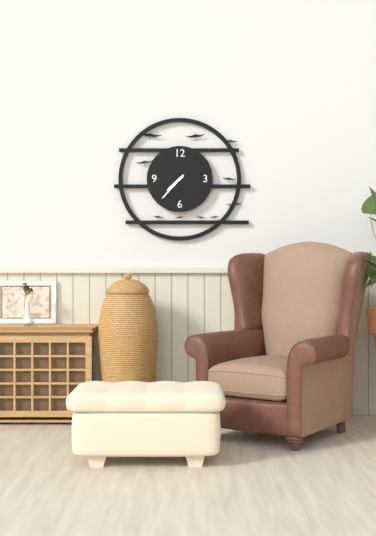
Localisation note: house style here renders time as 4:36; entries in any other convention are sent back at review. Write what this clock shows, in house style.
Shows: 7:37
